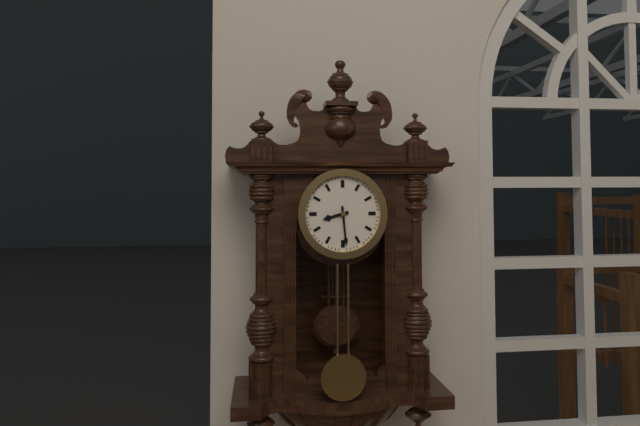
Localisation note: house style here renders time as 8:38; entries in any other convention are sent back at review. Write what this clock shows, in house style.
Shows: 8:29
